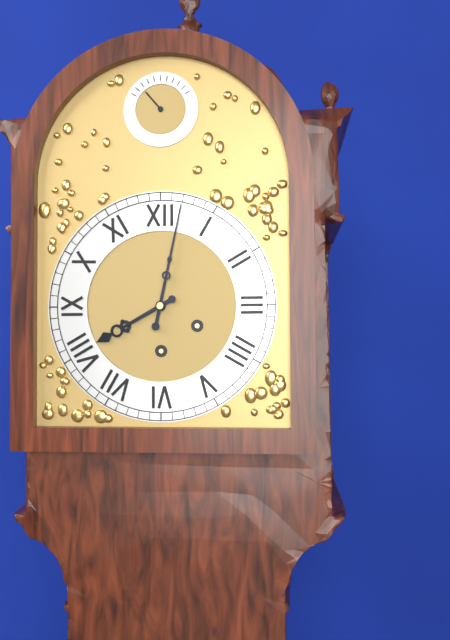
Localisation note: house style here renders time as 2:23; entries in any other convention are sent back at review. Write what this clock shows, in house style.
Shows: 8:02
